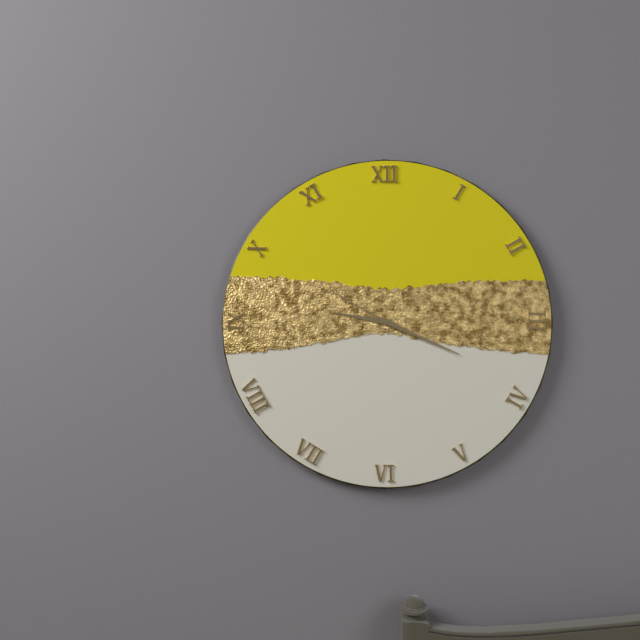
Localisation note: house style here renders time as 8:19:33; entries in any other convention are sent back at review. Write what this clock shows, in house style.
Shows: 9:19:50
